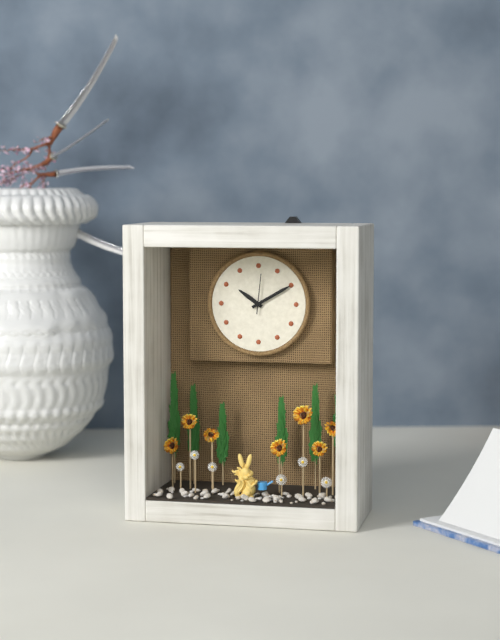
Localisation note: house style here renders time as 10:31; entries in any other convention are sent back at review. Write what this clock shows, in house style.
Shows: 10:10
